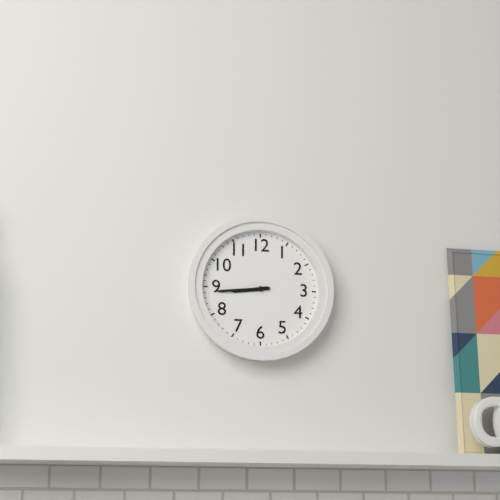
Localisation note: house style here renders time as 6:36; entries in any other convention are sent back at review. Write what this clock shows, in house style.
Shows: 8:44
